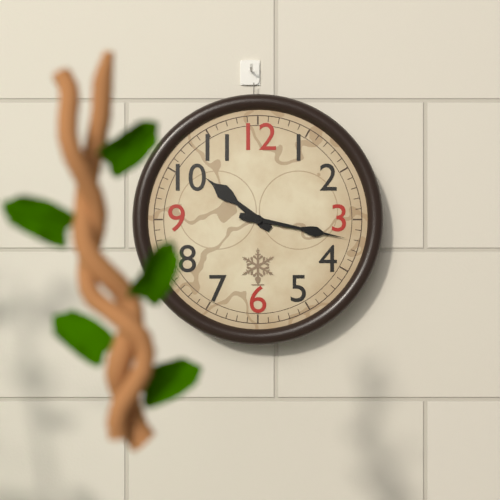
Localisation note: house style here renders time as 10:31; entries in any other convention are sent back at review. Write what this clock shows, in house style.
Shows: 10:17
